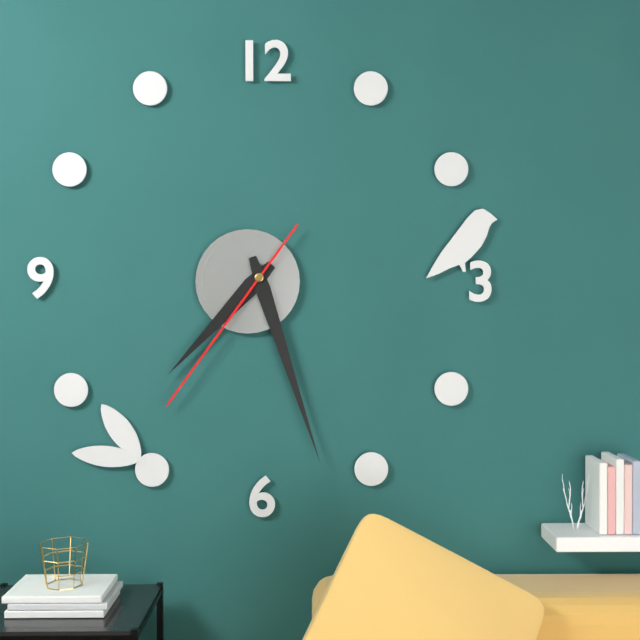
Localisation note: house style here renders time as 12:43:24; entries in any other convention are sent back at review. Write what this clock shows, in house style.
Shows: 7:27:36
